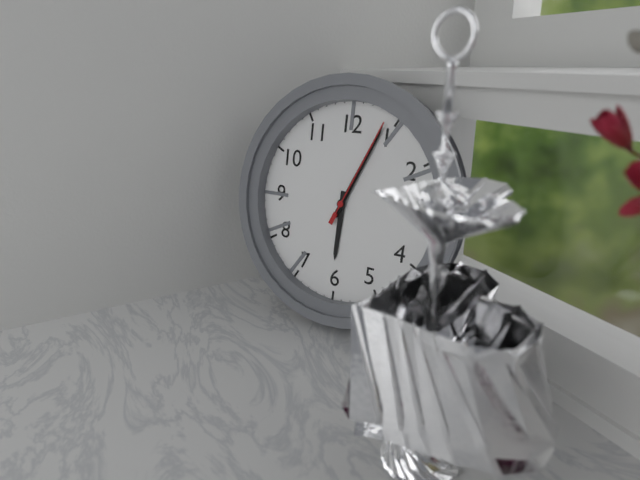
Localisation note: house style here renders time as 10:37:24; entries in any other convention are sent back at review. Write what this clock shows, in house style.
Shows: 6:04:04
